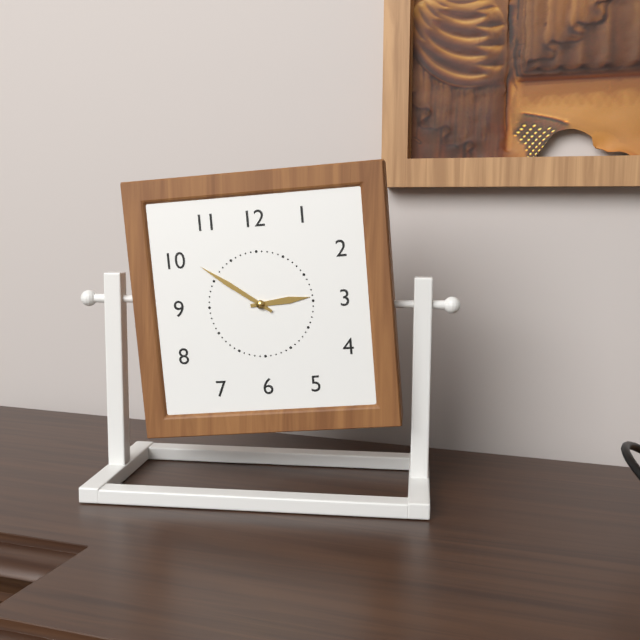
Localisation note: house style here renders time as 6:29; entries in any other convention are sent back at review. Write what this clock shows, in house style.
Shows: 2:51
